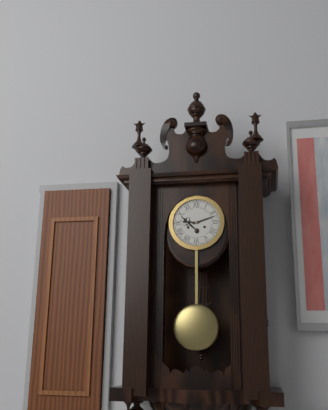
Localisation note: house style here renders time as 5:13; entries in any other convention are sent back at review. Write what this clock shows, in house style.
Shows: 9:12
